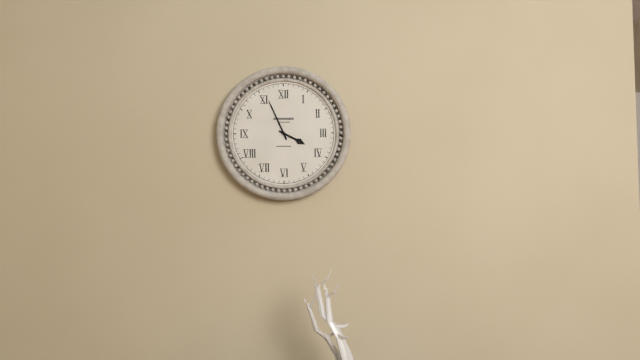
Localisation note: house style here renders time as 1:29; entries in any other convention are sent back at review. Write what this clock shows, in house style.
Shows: 3:56
